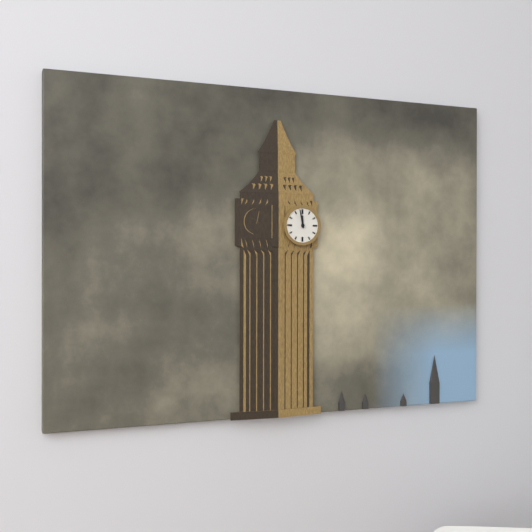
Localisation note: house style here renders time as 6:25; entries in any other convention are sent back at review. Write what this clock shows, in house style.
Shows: 11:58
